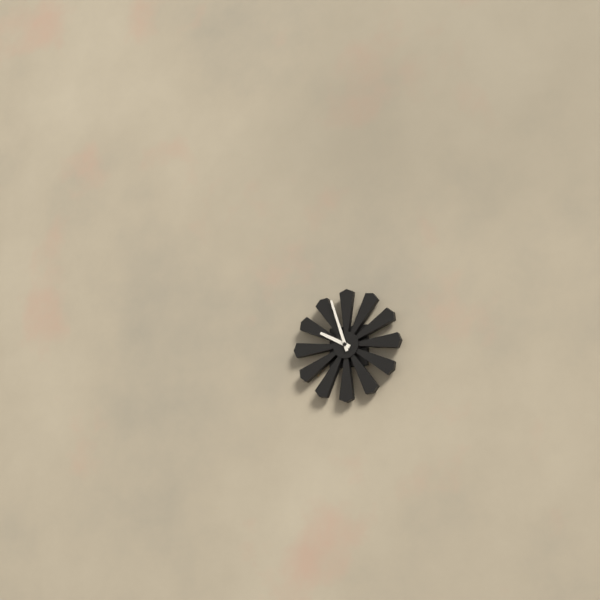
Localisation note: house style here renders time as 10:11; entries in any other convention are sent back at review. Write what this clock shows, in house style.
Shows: 9:57
